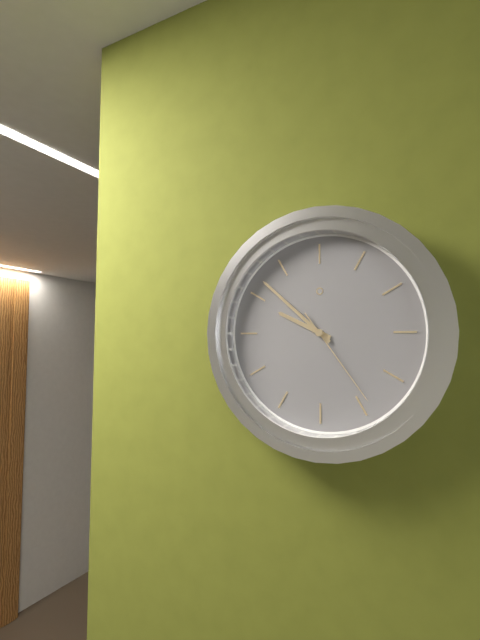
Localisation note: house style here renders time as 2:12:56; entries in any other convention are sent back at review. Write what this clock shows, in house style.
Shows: 9:52:24
